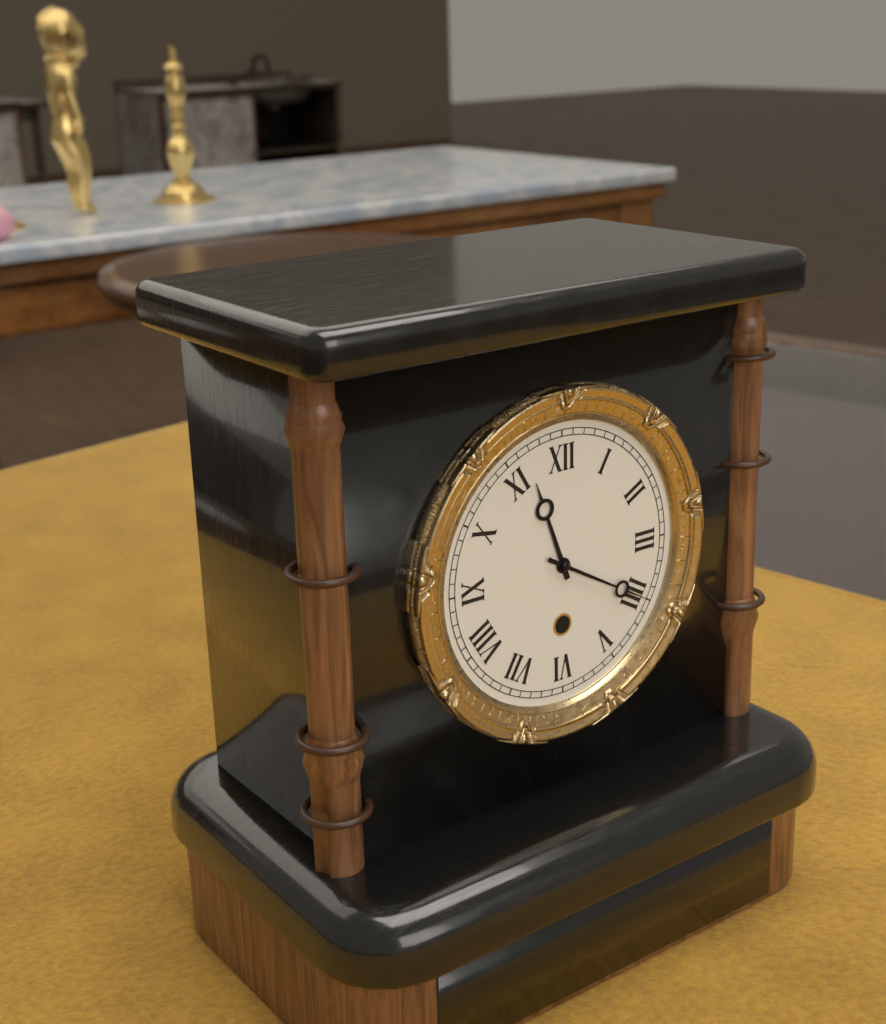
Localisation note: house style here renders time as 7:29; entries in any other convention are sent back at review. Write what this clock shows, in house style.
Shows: 11:20
